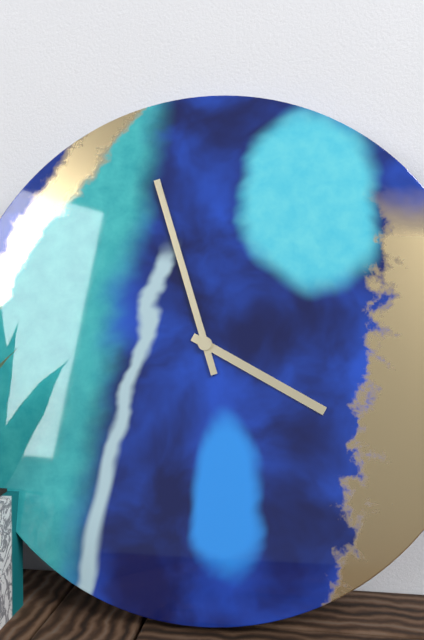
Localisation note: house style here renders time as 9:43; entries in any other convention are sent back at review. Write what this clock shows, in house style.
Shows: 3:57
